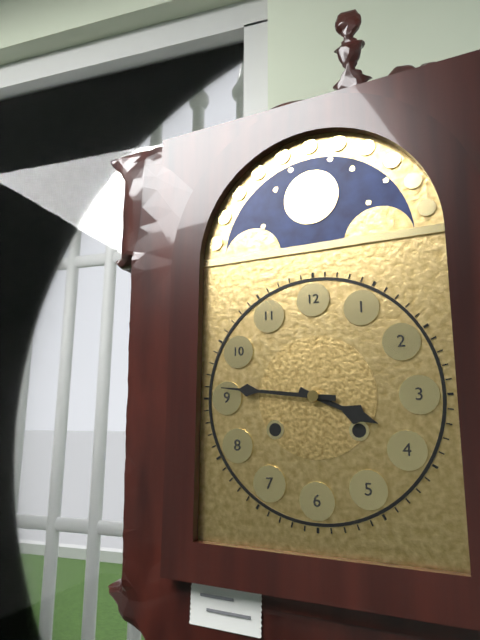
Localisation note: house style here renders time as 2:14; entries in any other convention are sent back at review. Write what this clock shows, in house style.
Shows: 3:46
